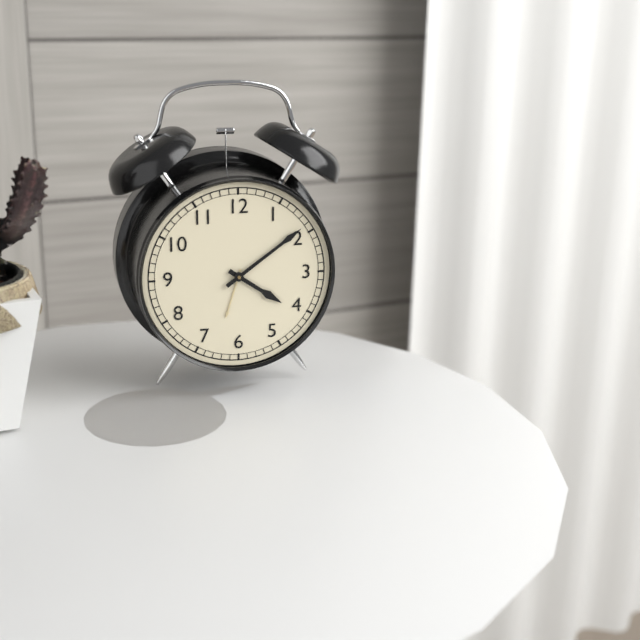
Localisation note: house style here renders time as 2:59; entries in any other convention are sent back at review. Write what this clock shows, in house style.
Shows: 4:09
